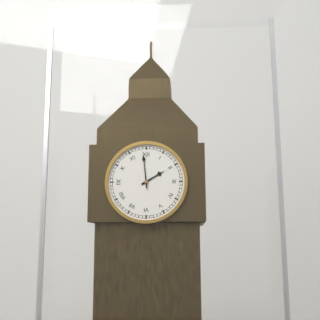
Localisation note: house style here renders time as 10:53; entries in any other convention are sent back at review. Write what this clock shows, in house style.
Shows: 1:59
